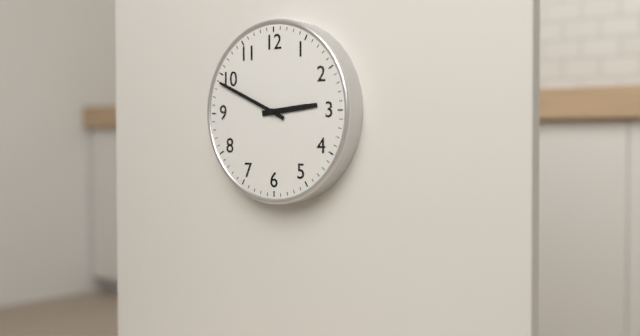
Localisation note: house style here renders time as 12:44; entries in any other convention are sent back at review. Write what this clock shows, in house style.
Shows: 2:49
